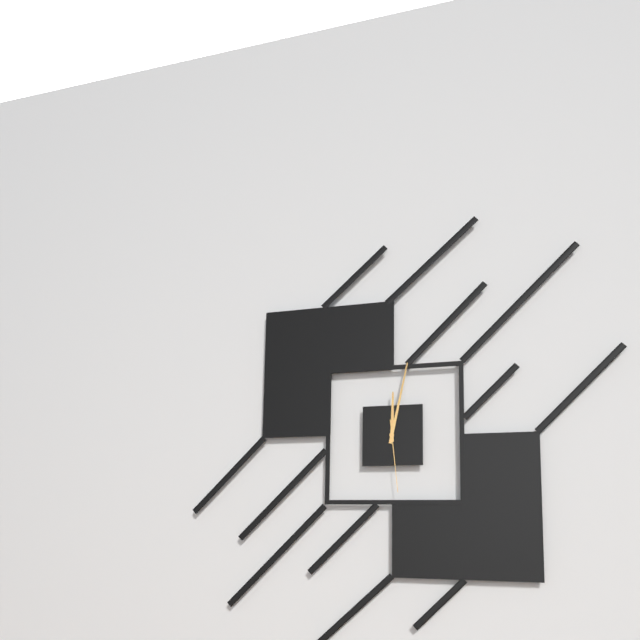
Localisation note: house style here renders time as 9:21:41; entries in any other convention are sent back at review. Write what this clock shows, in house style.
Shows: 12:02:29
